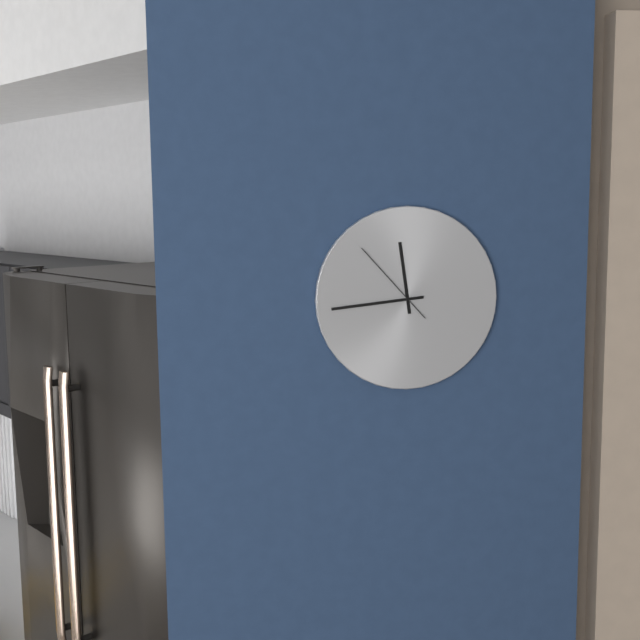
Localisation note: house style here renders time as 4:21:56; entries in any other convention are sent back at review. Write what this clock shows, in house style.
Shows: 11:44:53
